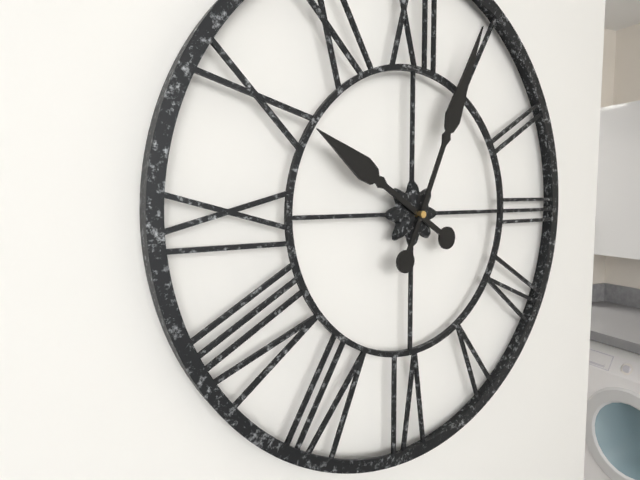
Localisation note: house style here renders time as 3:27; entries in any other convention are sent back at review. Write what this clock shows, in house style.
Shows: 10:04
